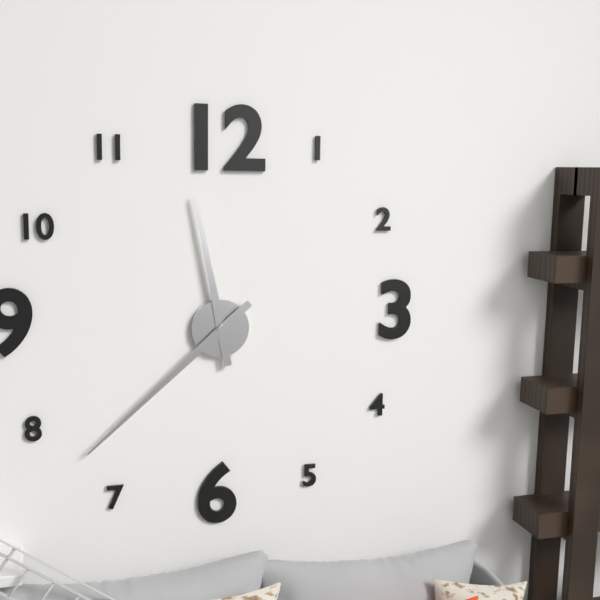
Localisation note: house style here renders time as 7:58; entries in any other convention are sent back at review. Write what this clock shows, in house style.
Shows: 11:38
